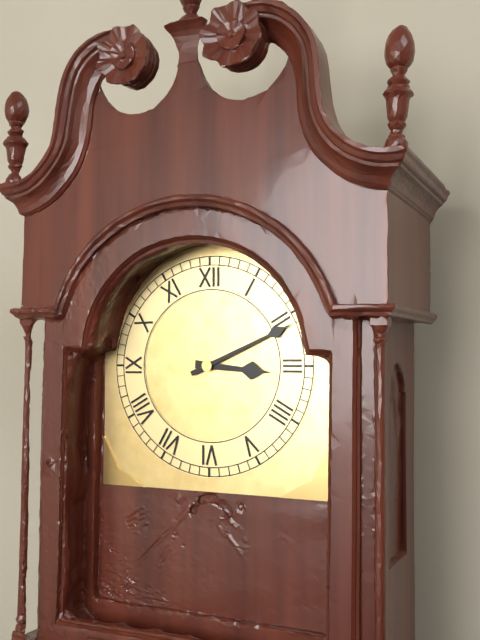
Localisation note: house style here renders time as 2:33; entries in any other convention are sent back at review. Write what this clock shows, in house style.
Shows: 3:11
